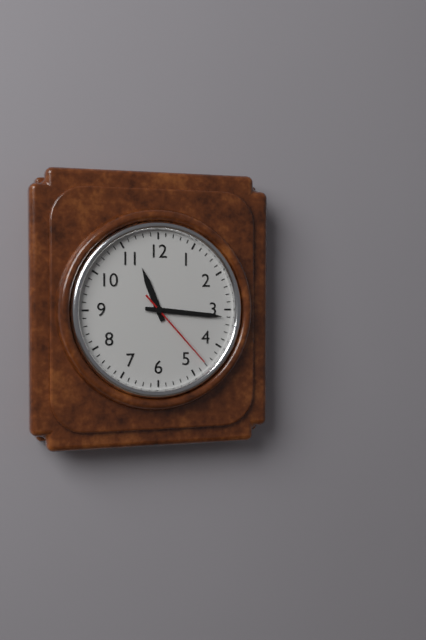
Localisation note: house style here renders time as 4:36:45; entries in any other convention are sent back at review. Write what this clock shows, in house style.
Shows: 11:16:23
